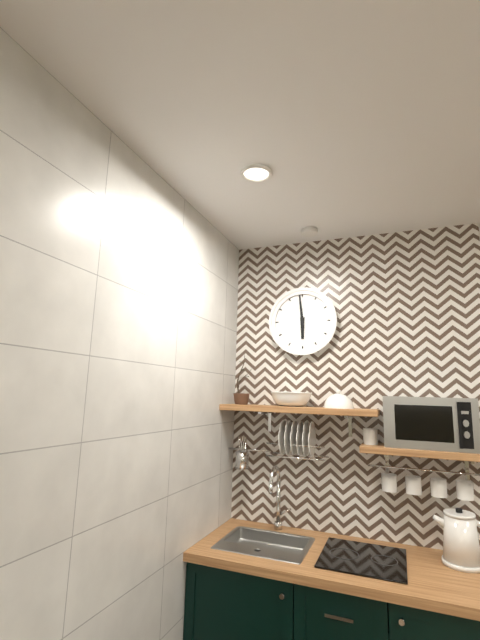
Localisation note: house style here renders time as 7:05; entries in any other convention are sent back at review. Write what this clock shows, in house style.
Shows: 5:59
